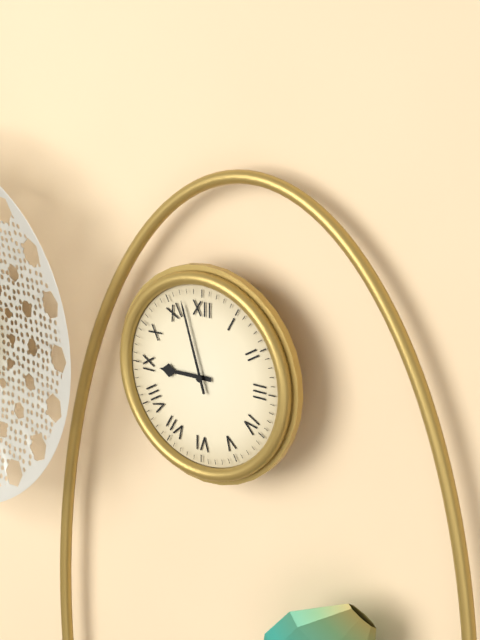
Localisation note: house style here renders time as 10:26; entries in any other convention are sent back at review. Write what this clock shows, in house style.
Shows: 8:57
